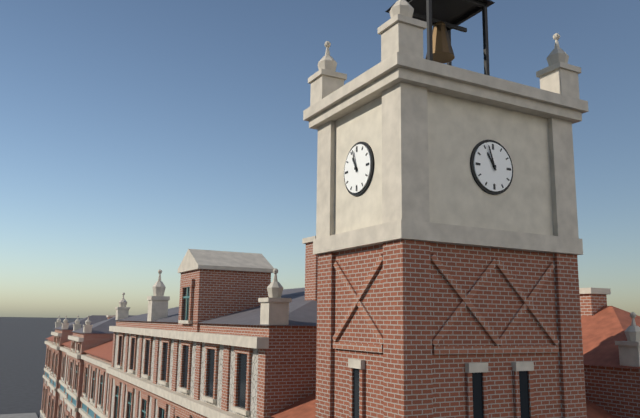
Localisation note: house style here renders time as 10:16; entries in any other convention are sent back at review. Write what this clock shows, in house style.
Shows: 10:57
